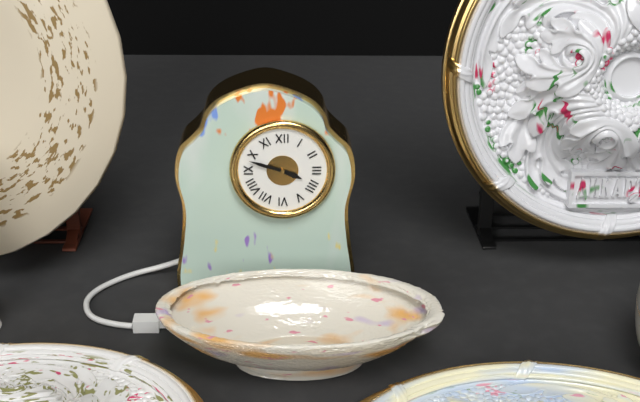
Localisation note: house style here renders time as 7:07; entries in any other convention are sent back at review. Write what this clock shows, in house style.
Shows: 3:48
